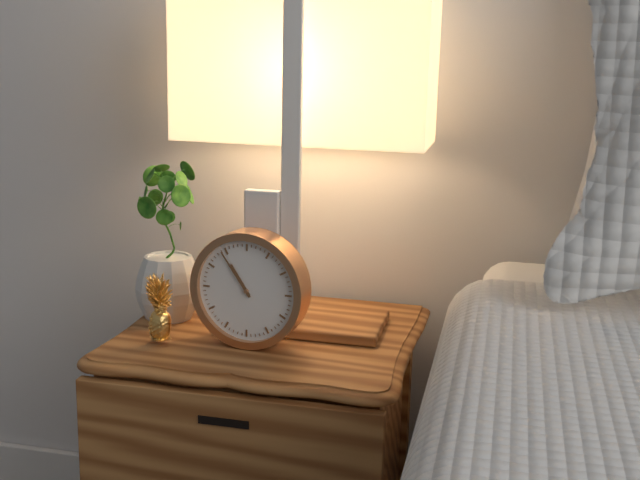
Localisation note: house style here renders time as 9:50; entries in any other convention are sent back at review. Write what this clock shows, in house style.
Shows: 10:54
